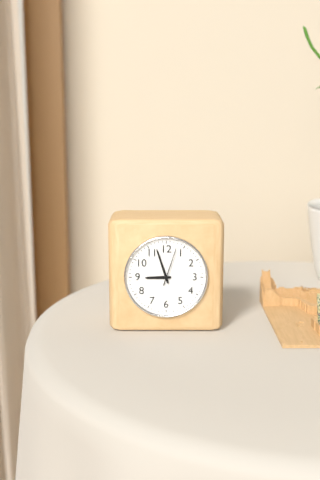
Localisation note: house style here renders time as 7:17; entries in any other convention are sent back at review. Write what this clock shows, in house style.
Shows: 8:57
